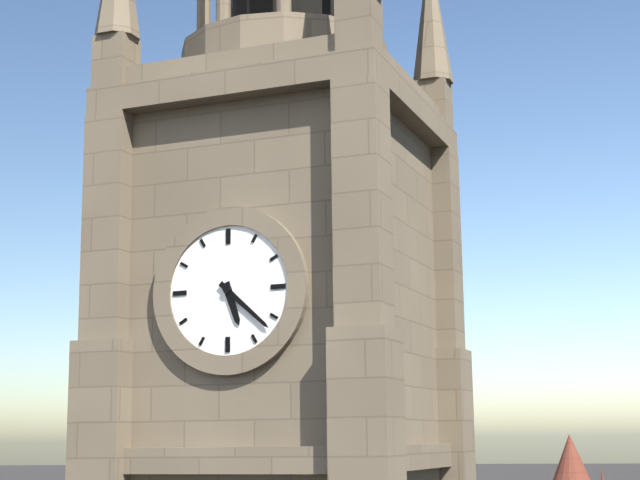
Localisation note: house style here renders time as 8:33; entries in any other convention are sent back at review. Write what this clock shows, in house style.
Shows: 5:22
